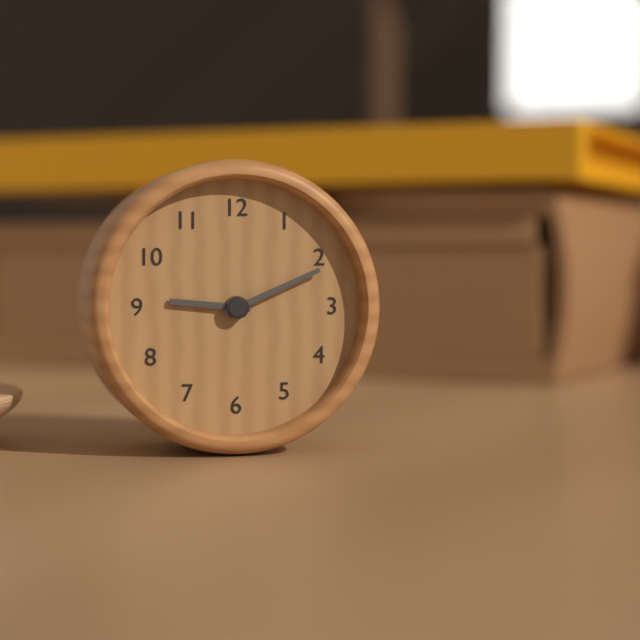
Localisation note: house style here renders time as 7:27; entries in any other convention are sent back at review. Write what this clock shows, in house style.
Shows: 9:11
